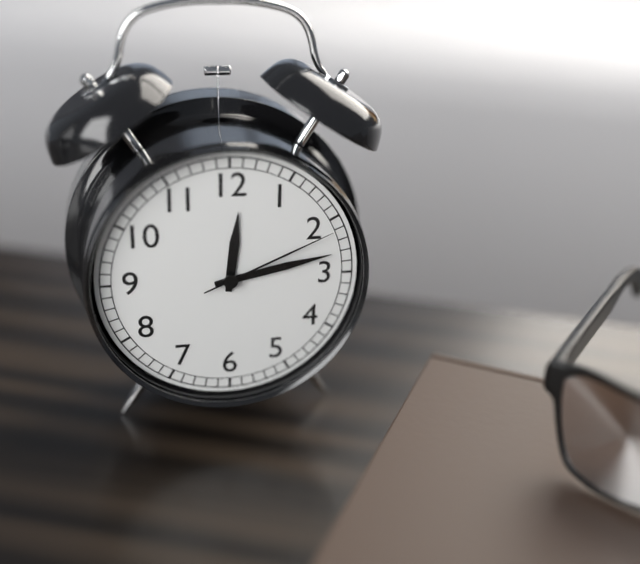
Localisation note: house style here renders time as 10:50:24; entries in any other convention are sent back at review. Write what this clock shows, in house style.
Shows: 12:13:11
